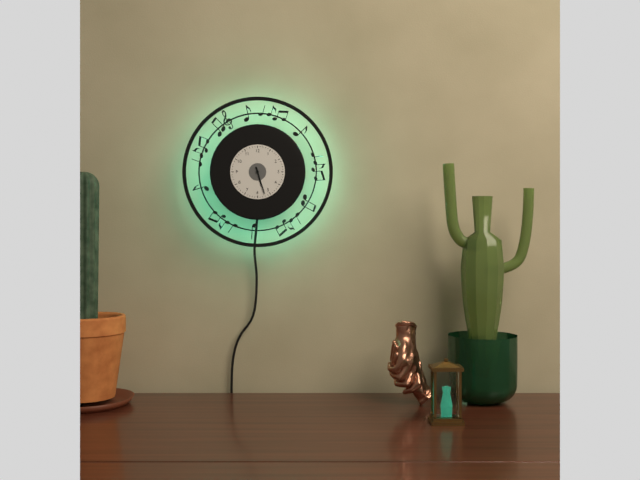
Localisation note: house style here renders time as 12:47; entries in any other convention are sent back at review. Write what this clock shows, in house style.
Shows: 5:27
